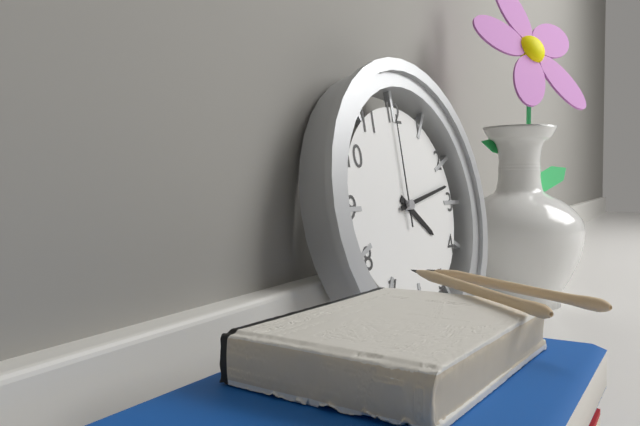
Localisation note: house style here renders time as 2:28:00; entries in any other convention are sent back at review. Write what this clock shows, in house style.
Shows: 4:13:00
